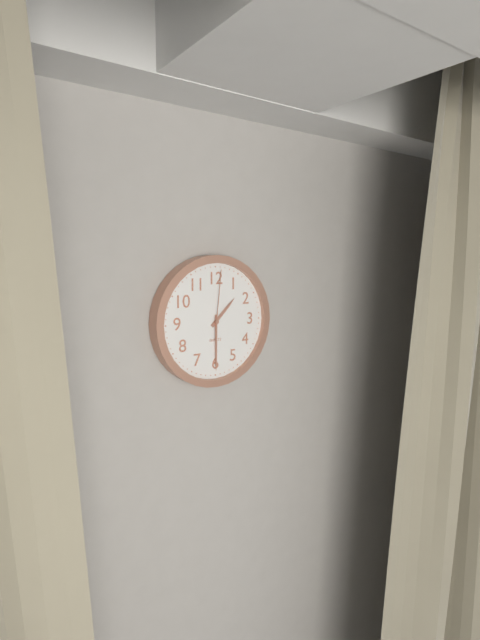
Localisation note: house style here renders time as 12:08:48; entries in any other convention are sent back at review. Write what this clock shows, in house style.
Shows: 1:30:01
